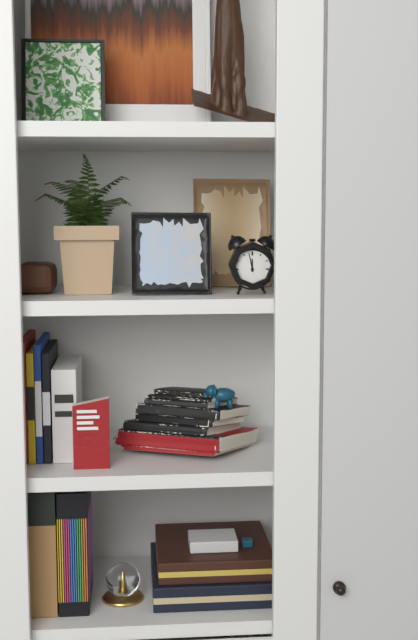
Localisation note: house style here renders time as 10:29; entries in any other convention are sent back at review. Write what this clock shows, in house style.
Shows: 11:58
